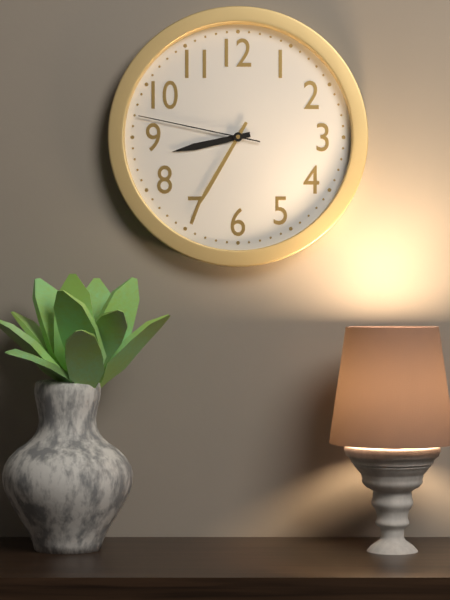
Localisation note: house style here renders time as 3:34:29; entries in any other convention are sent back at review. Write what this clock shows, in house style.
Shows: 8:35:47
